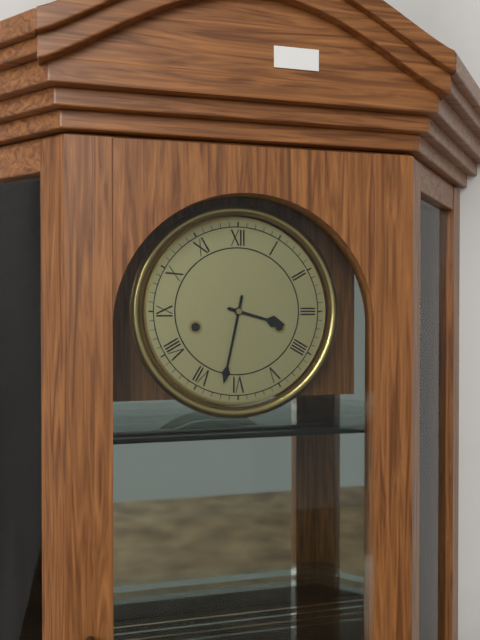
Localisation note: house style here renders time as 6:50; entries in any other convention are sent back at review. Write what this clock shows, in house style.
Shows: 3:32
